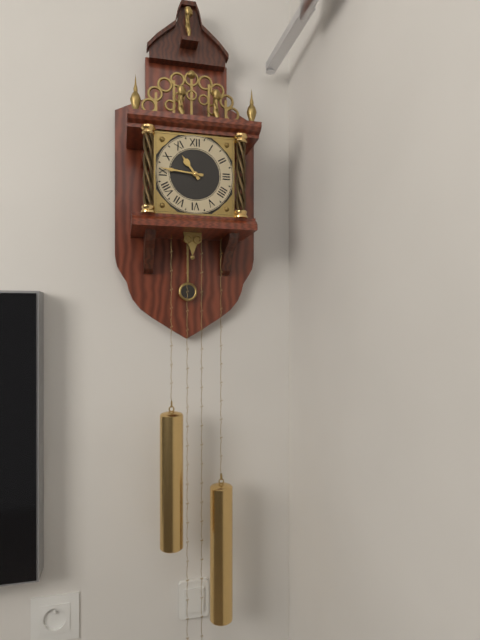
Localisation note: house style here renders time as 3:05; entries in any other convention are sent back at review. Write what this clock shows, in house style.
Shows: 10:46
